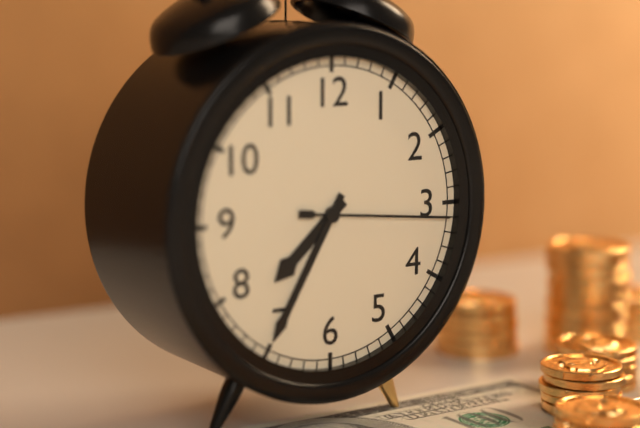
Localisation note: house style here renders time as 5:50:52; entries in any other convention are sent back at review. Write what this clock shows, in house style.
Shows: 7:35:16
